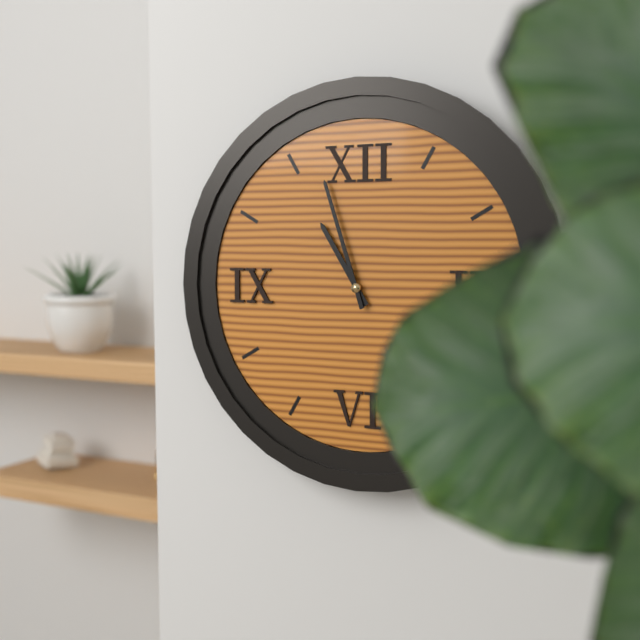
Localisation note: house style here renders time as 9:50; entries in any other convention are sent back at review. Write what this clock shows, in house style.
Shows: 10:57
